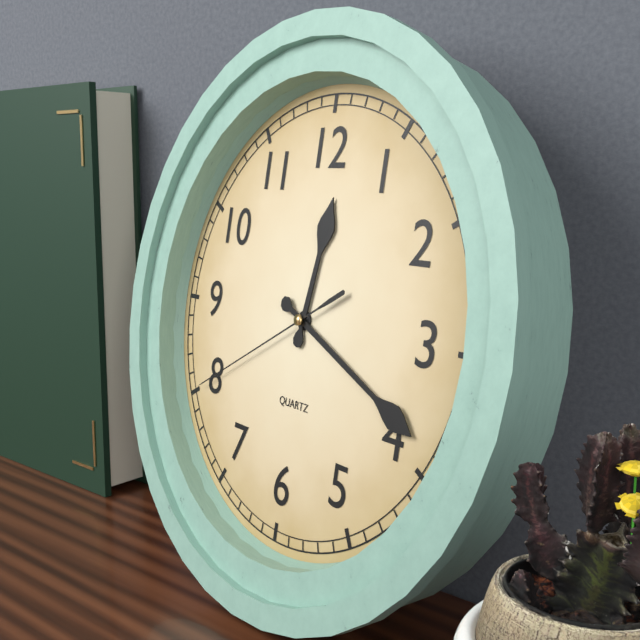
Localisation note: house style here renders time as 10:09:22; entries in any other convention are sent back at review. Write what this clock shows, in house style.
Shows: 12:19:40
